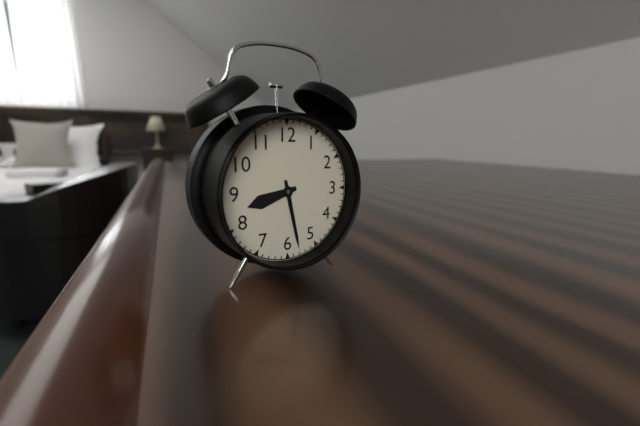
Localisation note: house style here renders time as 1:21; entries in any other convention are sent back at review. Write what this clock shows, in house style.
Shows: 8:28
